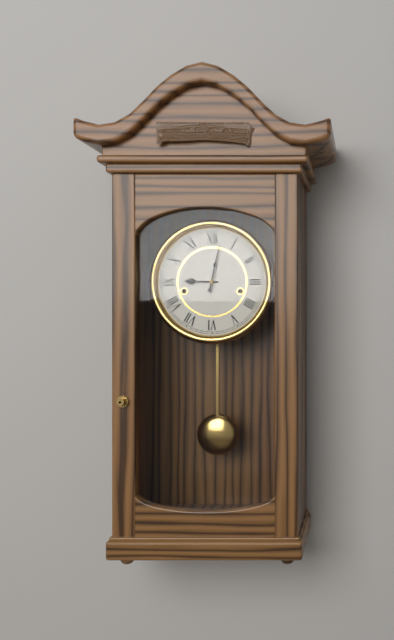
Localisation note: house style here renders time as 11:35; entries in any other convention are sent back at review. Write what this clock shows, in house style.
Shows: 9:02
